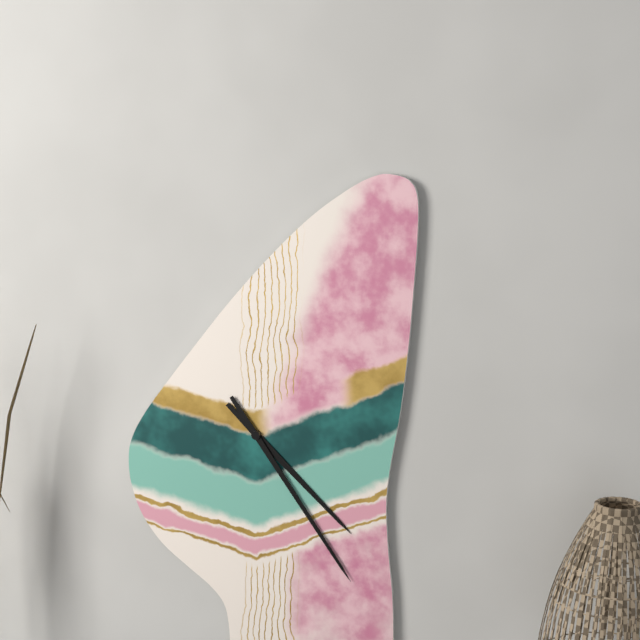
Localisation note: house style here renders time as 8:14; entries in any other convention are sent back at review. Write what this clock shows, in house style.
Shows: 4:24
